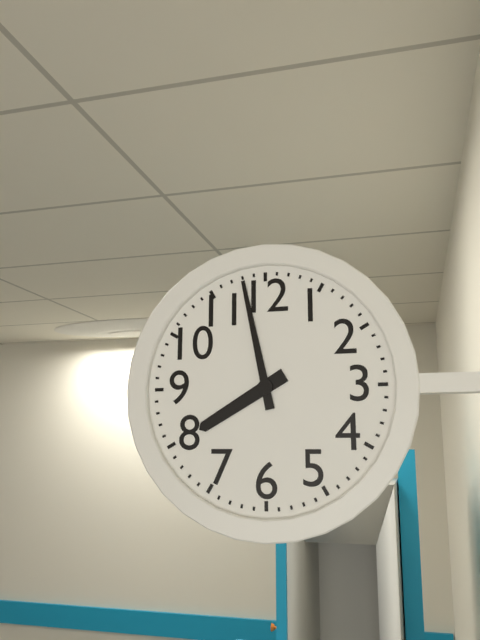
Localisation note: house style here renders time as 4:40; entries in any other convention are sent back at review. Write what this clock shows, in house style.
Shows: 7:58
